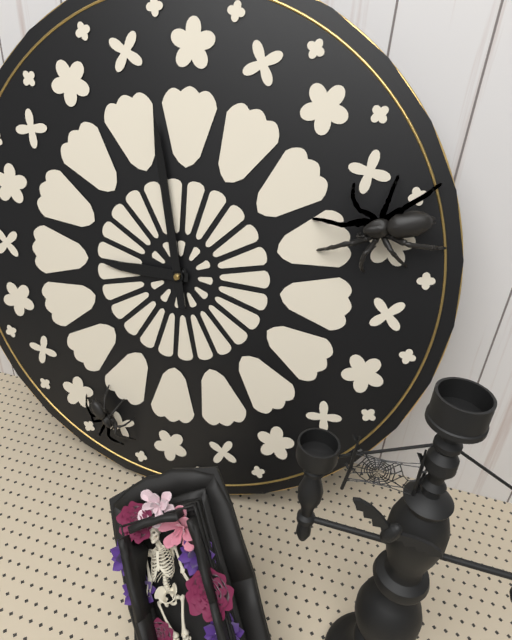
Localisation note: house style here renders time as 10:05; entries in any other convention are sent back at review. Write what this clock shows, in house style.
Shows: 8:58
